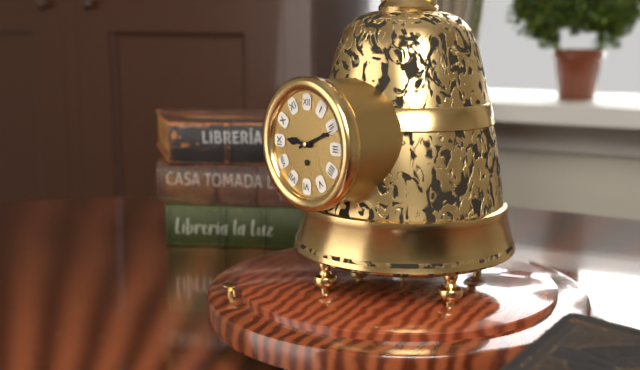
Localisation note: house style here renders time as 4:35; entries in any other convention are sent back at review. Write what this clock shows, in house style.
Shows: 9:11
